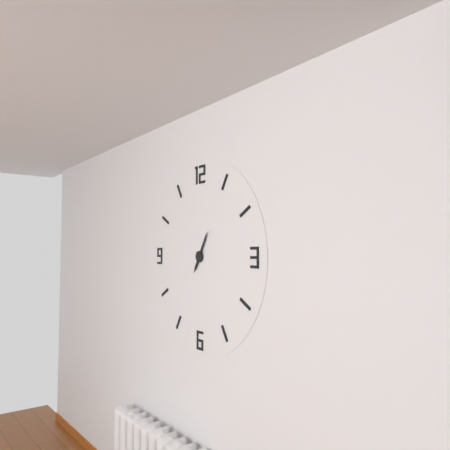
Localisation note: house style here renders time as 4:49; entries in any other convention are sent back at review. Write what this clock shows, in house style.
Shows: 7:05
